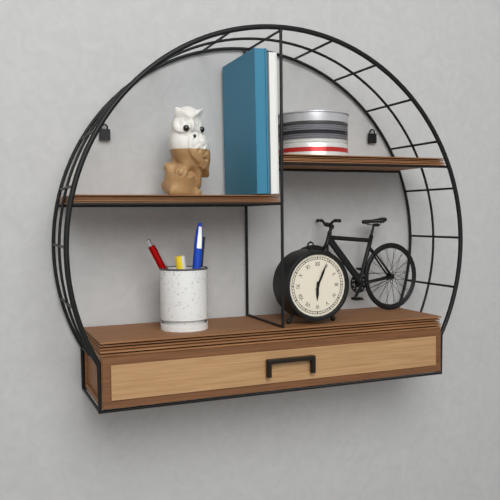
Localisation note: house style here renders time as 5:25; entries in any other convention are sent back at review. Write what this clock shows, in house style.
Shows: 6:04
